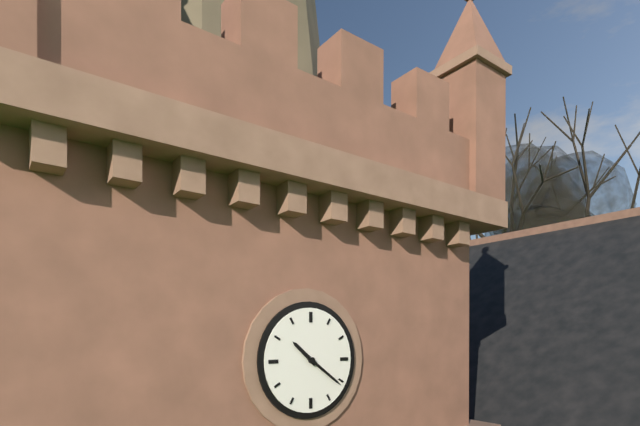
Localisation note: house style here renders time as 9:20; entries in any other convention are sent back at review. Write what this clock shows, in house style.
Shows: 10:21
